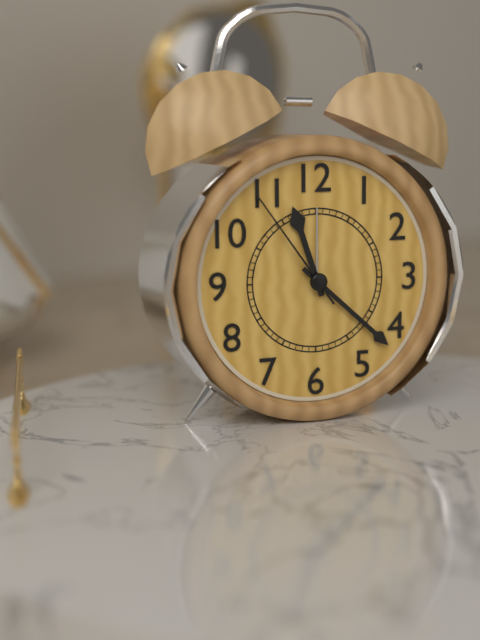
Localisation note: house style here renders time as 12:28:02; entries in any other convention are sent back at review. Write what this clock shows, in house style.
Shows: 11:22:54
